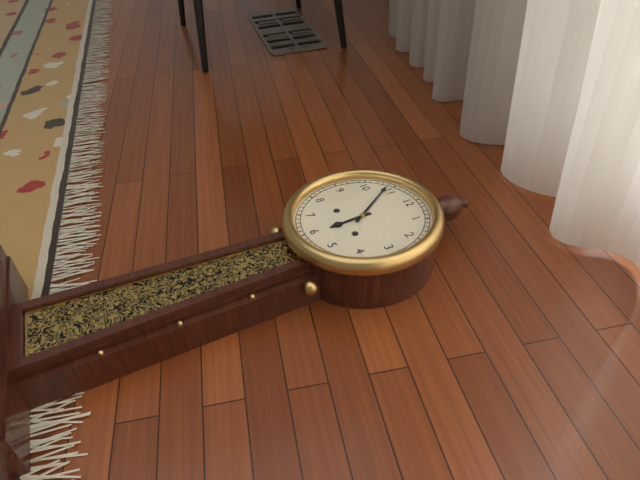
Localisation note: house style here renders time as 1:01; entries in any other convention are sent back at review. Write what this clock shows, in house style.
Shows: 5:54
